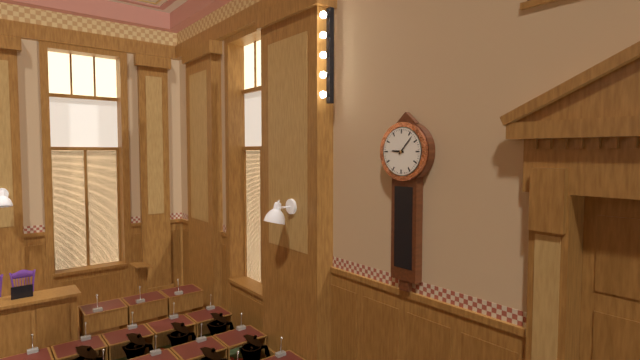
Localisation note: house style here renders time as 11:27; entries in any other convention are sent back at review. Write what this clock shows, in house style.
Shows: 9:07
